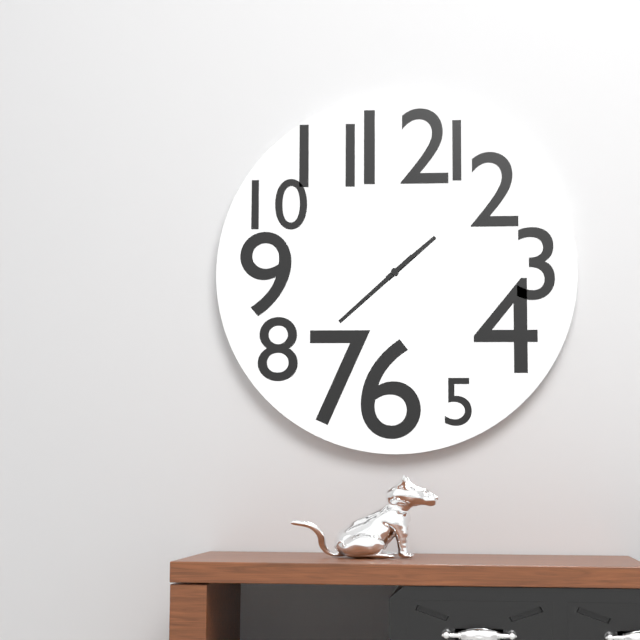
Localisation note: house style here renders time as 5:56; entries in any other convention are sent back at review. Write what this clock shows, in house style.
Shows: 1:38
